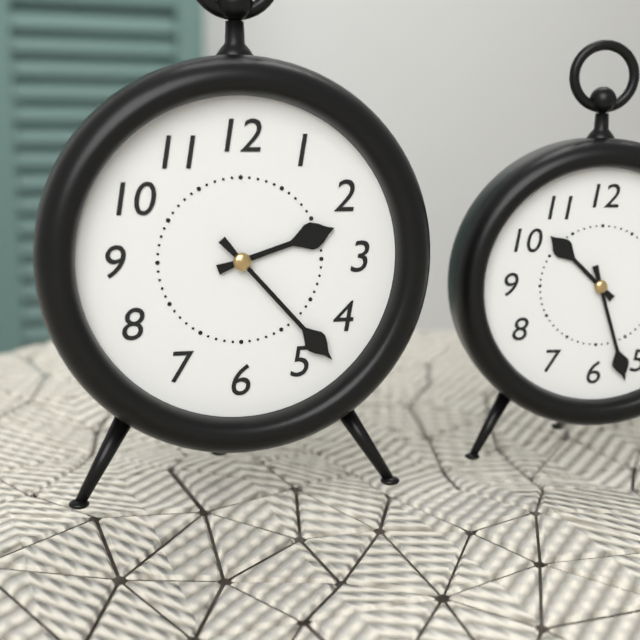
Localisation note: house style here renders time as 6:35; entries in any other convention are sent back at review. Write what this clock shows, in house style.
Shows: 2:23
